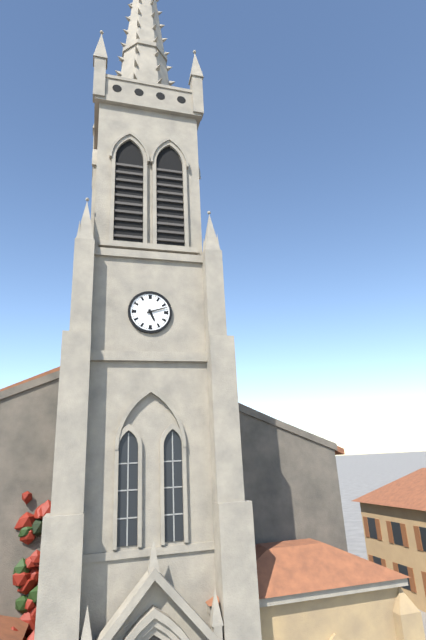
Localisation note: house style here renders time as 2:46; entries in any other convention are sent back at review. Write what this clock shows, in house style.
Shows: 5:12
